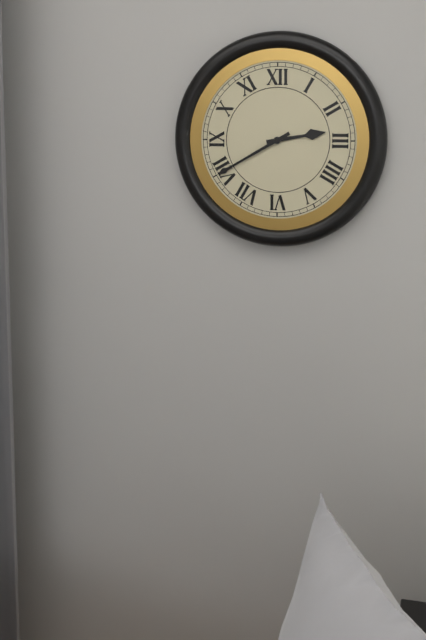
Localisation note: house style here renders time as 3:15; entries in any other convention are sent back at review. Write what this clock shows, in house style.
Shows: 2:40
